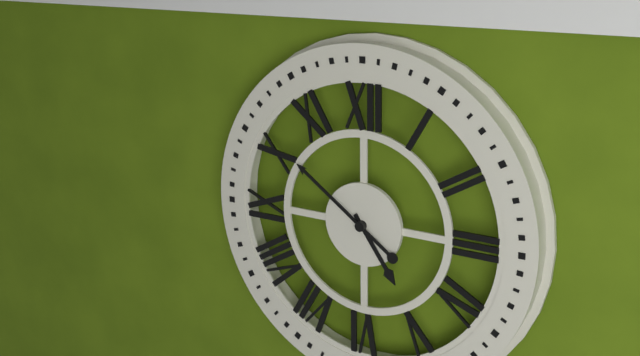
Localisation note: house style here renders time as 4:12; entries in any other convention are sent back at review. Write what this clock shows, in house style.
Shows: 4:51
